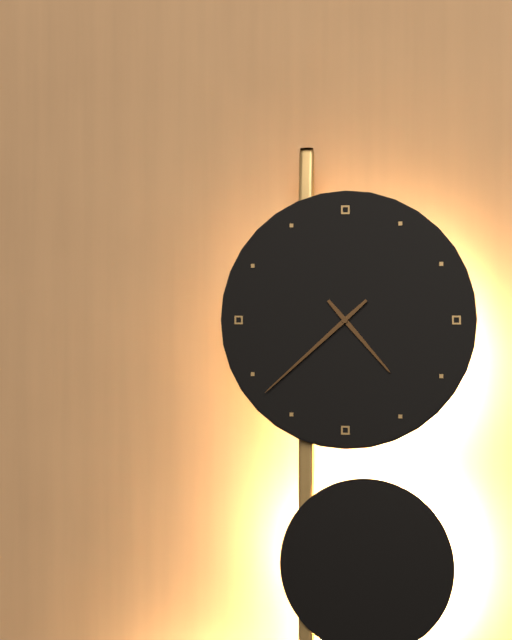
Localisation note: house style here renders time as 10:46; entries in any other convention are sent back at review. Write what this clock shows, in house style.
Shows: 4:38
